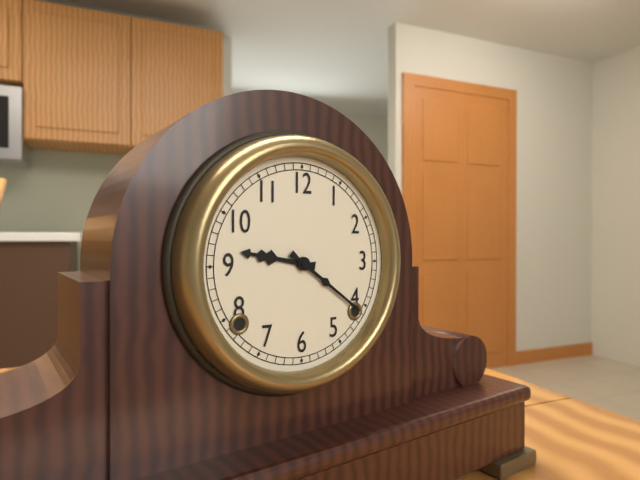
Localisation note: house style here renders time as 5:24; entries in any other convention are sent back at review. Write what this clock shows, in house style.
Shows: 9:21
